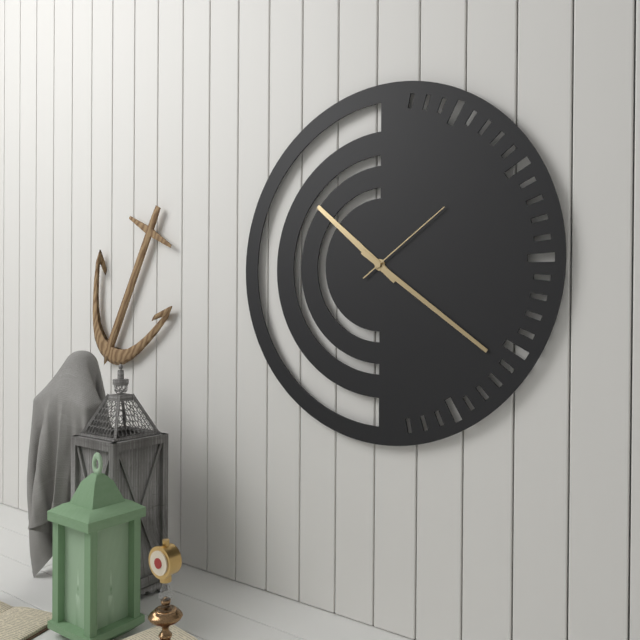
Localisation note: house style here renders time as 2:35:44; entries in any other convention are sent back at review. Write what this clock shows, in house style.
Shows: 10:21:09
